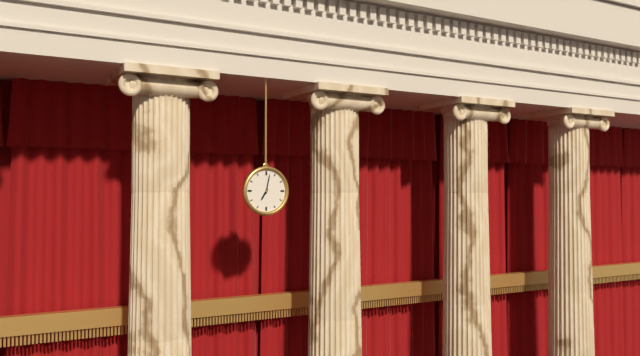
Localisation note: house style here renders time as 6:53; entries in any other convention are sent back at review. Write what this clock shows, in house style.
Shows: 7:02
